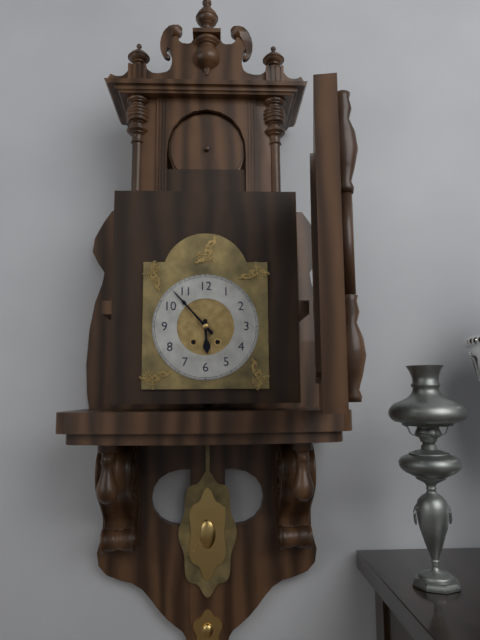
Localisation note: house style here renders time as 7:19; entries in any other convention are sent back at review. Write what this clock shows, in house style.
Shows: 5:53
